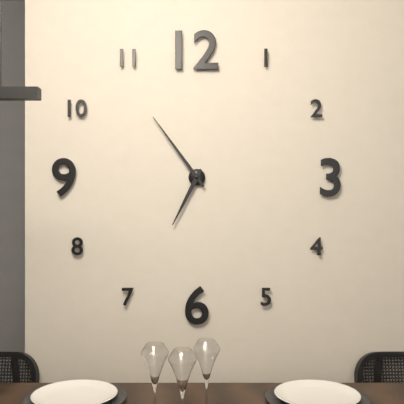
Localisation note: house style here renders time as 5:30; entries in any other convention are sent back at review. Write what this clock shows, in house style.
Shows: 6:54
